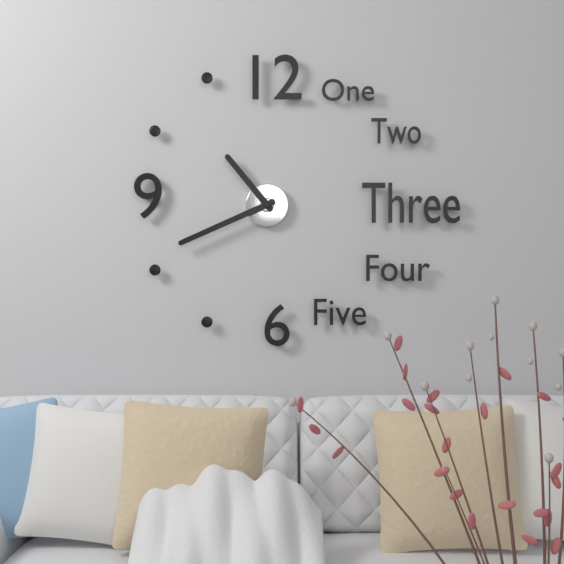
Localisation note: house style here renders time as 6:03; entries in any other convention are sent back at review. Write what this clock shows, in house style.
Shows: 10:41
